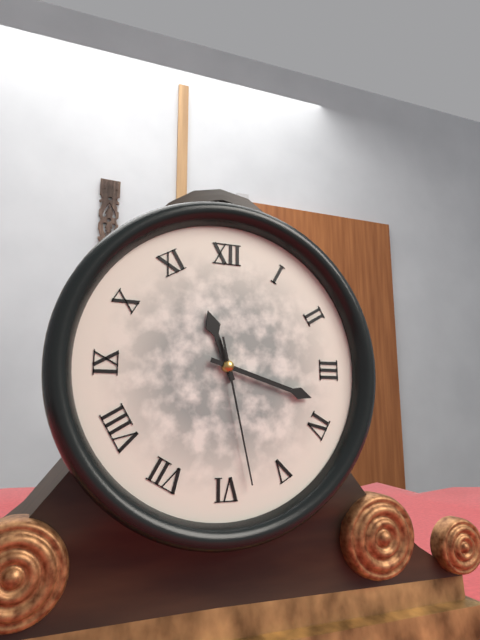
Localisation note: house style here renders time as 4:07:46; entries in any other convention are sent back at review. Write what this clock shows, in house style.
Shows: 11:18:28
